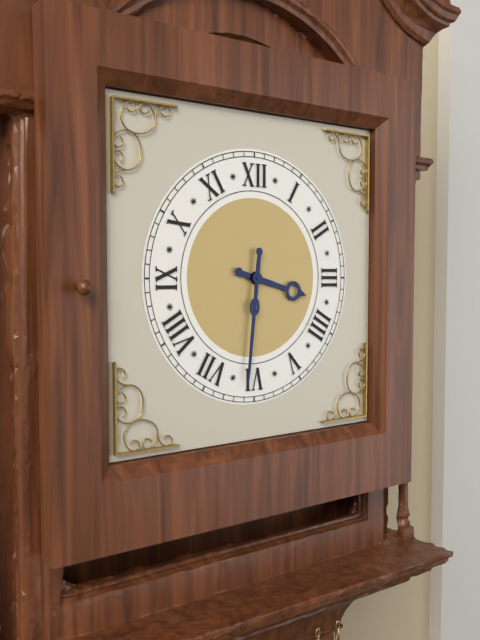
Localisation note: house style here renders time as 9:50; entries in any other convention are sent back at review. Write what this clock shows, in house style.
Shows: 3:31
